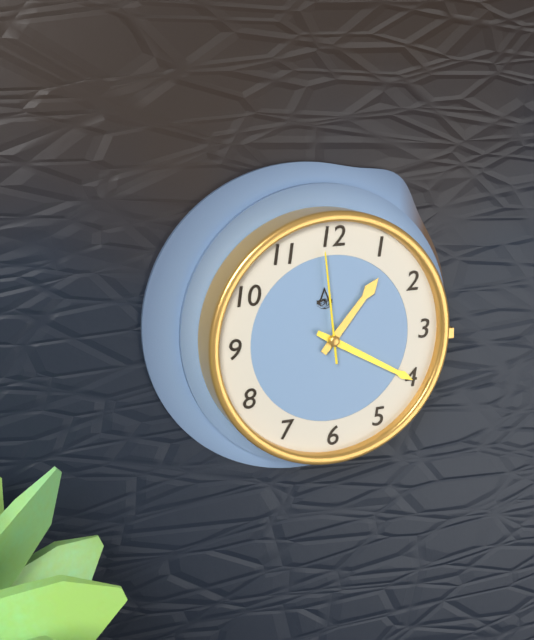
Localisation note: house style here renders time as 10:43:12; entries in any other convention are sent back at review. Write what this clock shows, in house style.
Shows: 1:20:59
